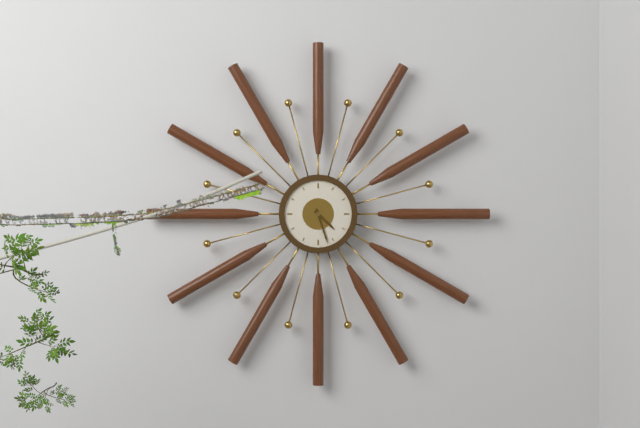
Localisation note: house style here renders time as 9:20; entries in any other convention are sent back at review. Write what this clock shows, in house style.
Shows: 4:27
